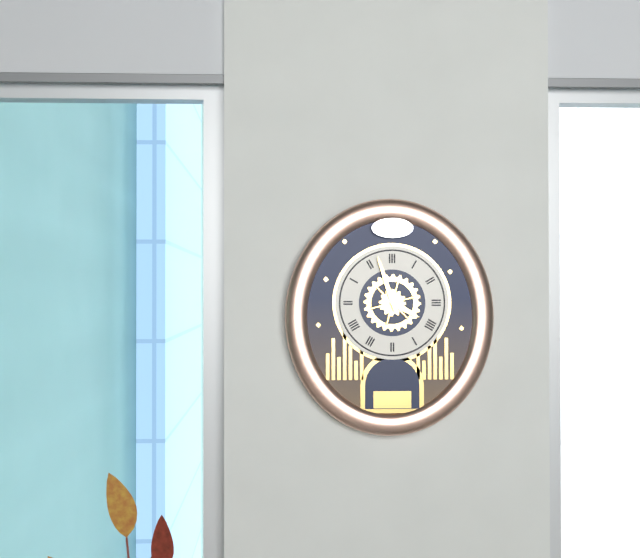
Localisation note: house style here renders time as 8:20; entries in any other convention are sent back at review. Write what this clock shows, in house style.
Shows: 3:57
